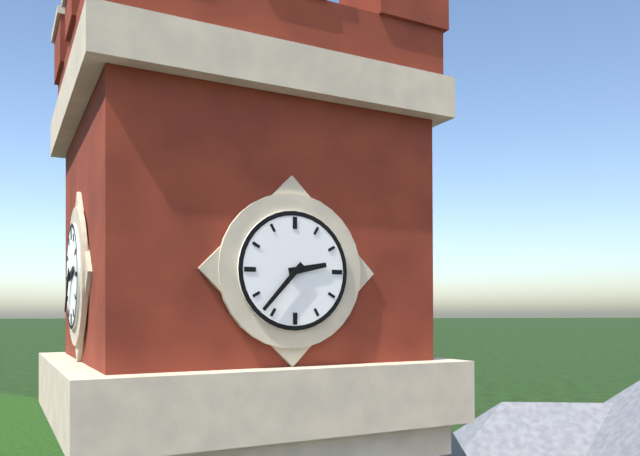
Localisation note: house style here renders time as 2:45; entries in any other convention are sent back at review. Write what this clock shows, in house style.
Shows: 2:37
